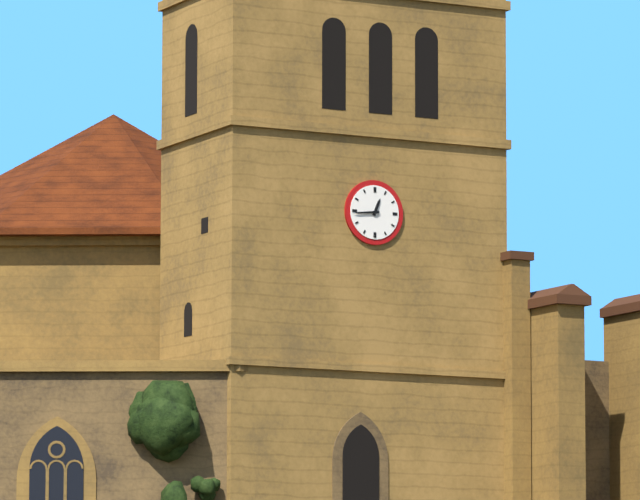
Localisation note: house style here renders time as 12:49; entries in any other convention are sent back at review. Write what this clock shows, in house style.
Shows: 12:44
